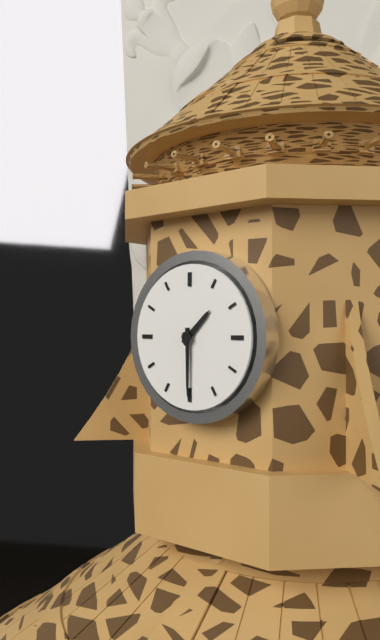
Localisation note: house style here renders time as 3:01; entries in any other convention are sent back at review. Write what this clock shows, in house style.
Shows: 1:30
